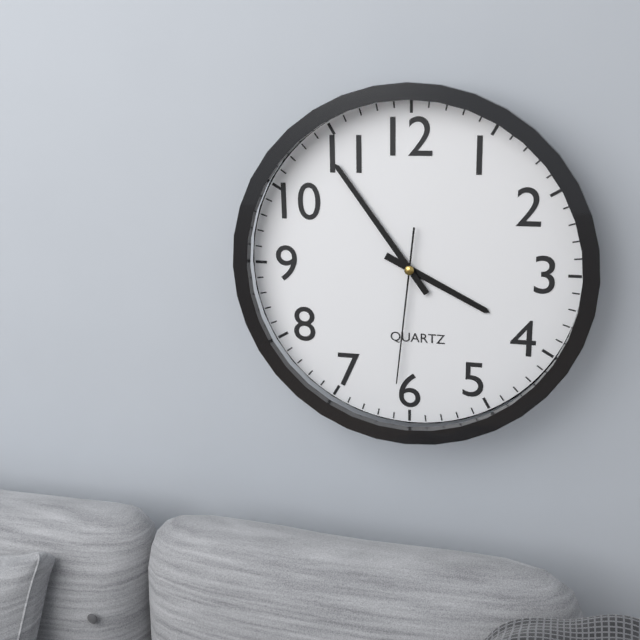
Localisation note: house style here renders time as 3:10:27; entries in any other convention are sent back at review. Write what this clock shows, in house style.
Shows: 3:54:31
